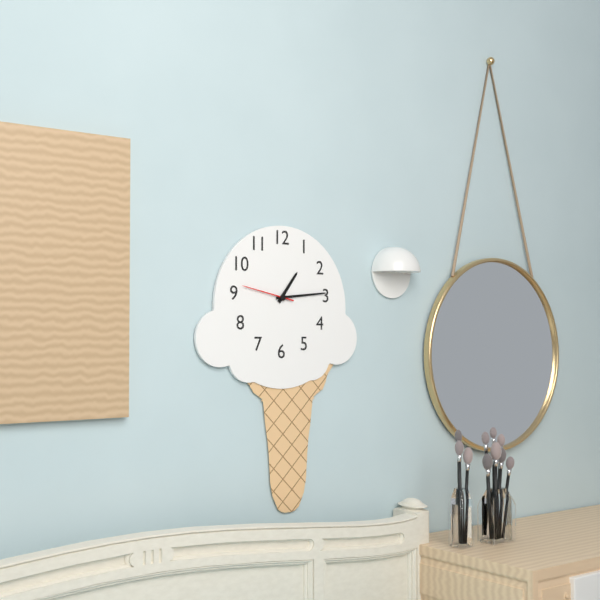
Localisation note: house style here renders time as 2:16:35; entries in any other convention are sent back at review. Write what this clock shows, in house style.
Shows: 1:14:47
